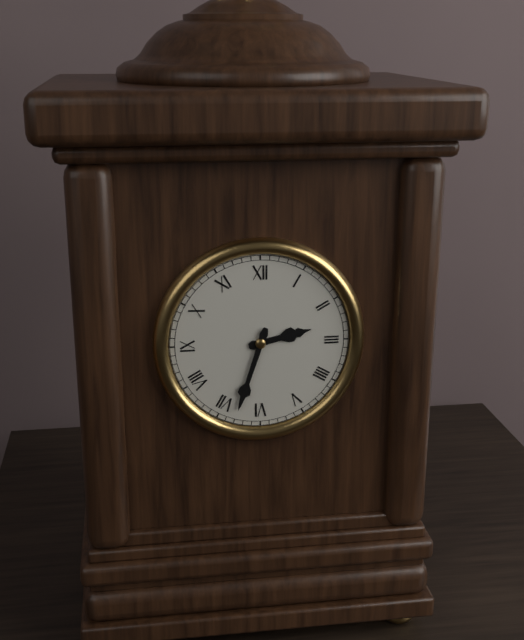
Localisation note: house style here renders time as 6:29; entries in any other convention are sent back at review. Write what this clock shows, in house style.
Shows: 2:33
